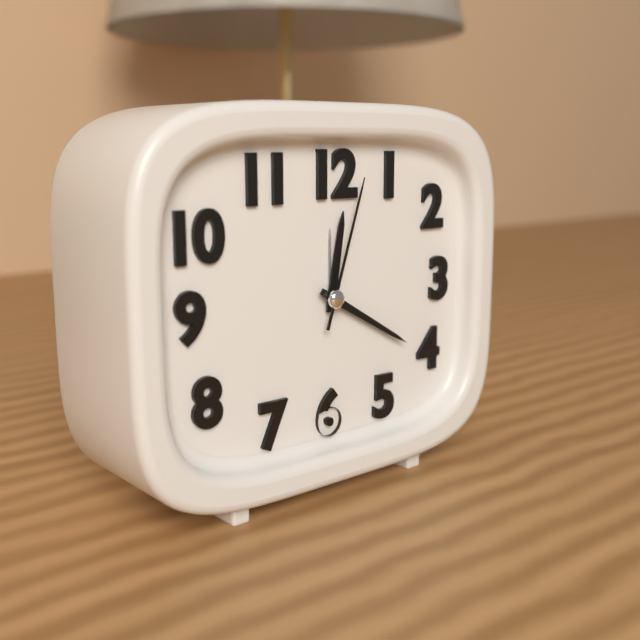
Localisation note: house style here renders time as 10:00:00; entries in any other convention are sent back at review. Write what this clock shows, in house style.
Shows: 12:20:03
